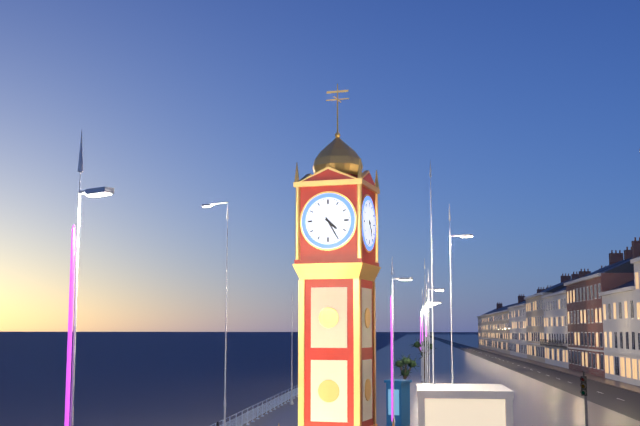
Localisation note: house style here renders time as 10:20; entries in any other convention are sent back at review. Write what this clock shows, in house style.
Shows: 4:25
